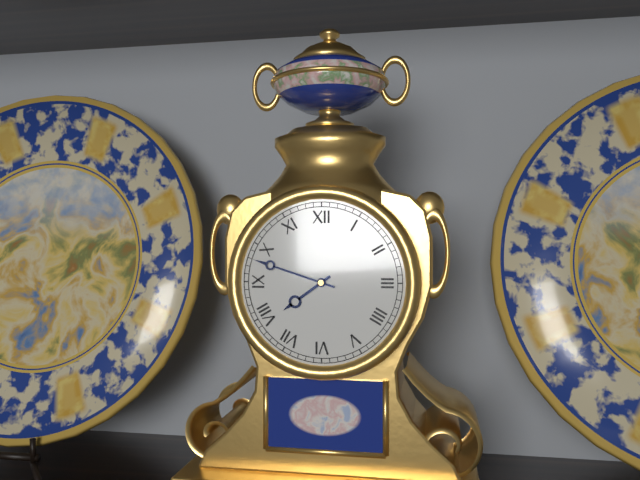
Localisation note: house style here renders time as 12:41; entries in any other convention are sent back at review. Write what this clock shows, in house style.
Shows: 7:48
